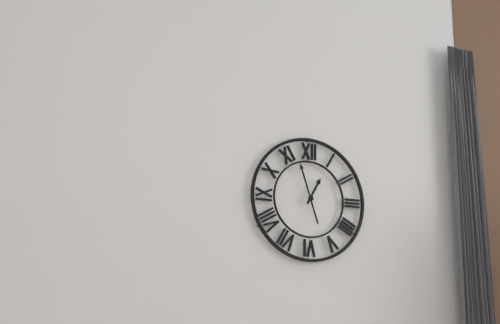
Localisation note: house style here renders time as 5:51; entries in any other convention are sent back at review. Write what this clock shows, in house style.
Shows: 12:57
